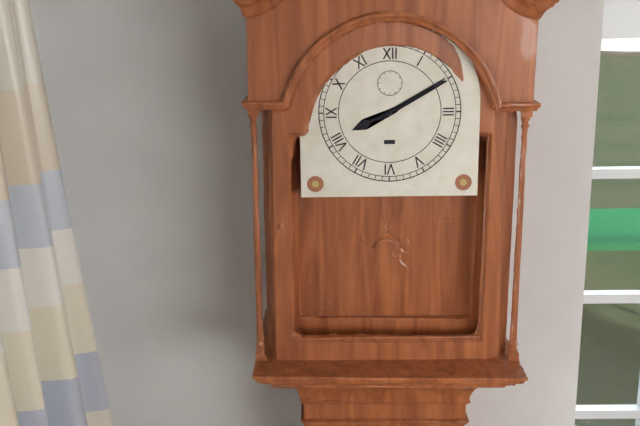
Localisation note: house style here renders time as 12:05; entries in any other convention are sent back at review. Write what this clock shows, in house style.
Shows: 8:10
